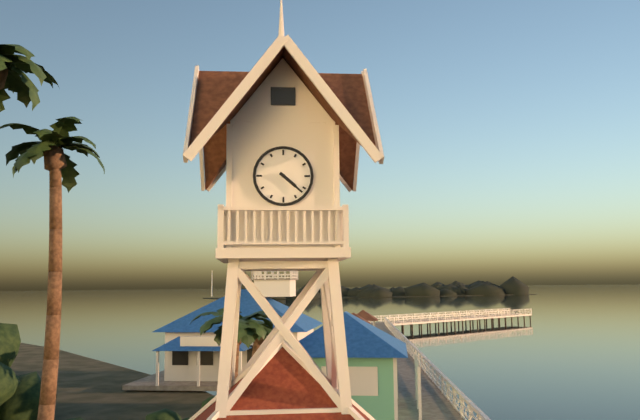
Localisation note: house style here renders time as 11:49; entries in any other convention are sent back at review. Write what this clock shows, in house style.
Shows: 4:22
